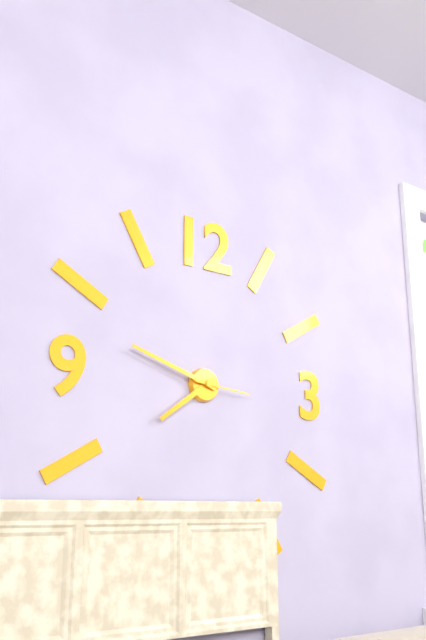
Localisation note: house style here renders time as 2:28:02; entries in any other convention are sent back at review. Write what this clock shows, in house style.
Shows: 7:48:16
